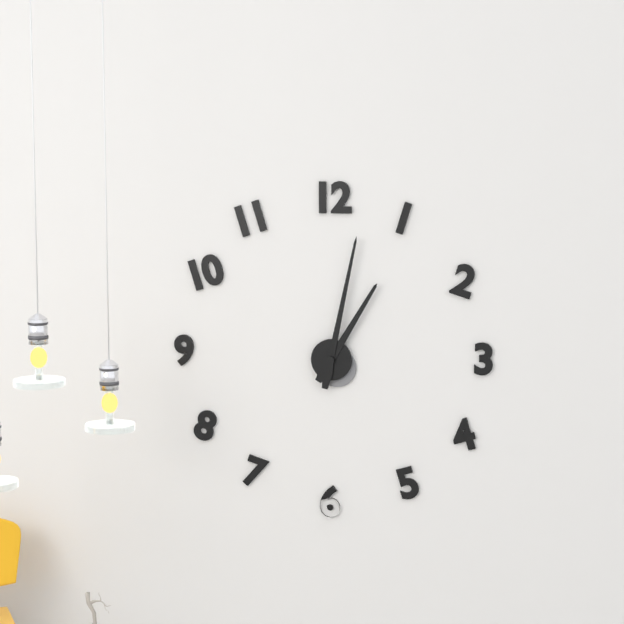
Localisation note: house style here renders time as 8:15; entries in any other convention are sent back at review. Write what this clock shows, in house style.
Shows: 1:02
